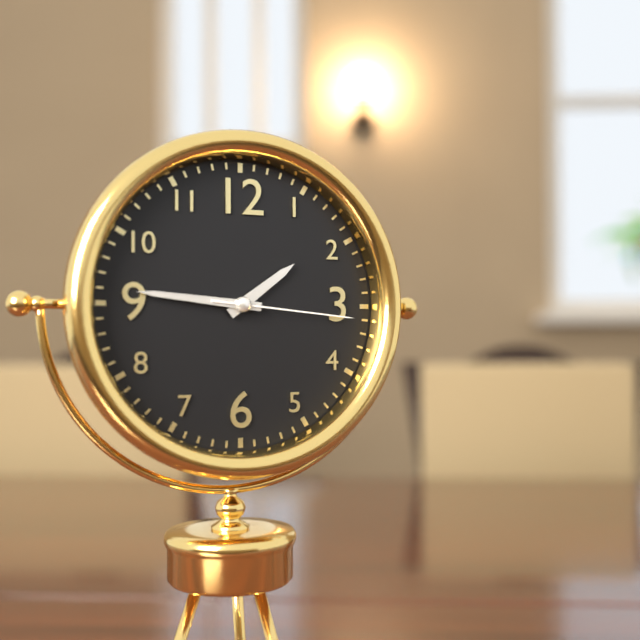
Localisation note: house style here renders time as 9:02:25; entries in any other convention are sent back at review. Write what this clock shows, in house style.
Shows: 1:46:16
